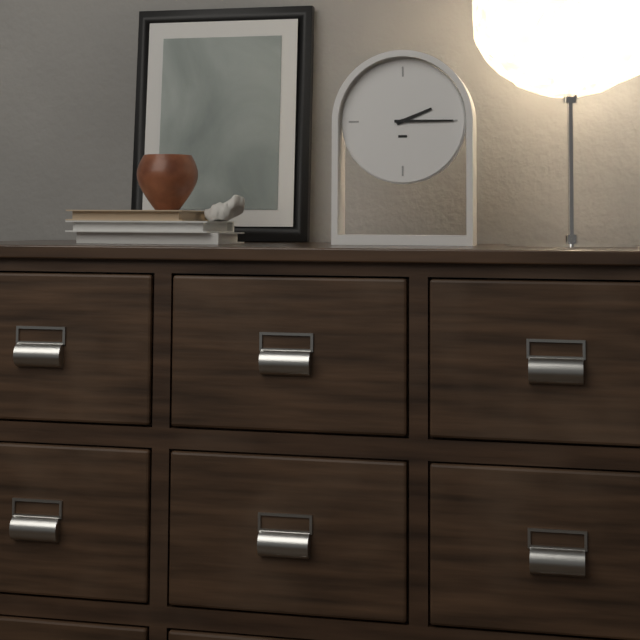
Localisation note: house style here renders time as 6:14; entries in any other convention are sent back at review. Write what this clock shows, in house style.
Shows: 2:15
